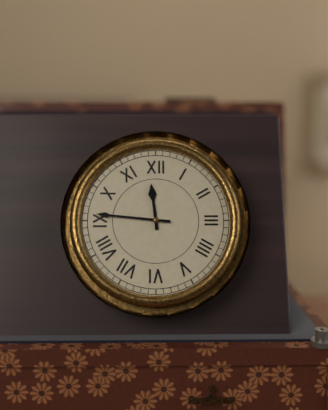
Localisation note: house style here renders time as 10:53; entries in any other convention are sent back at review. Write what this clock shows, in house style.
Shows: 11:46
